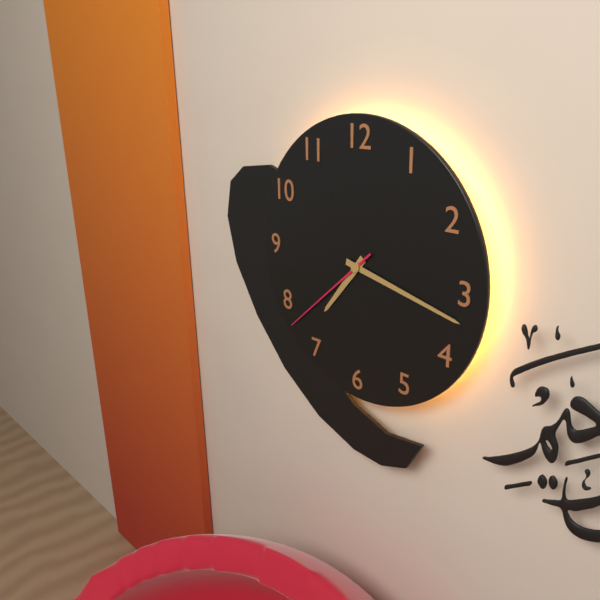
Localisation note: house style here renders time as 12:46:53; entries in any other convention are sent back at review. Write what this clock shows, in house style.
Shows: 7:17:38
